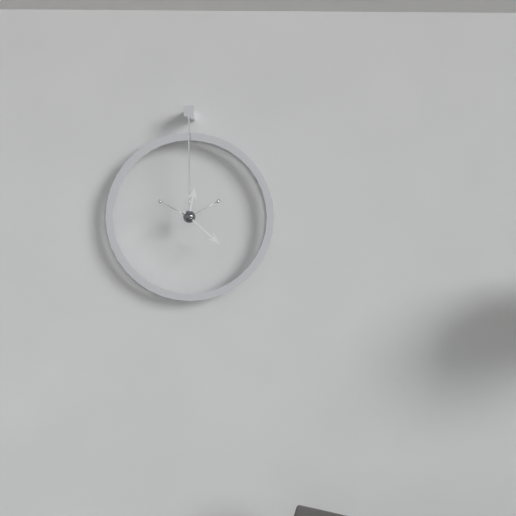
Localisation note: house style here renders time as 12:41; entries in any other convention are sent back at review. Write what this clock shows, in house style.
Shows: 12:22
